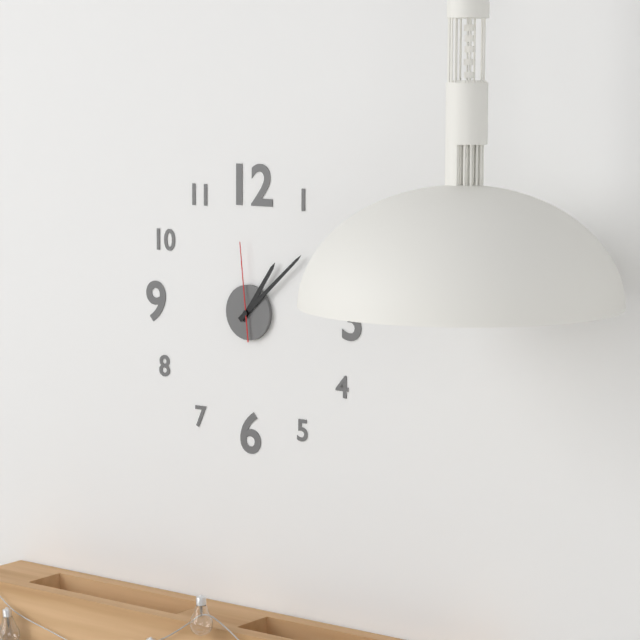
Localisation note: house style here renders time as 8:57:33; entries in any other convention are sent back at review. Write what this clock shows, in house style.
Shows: 1:08:59
